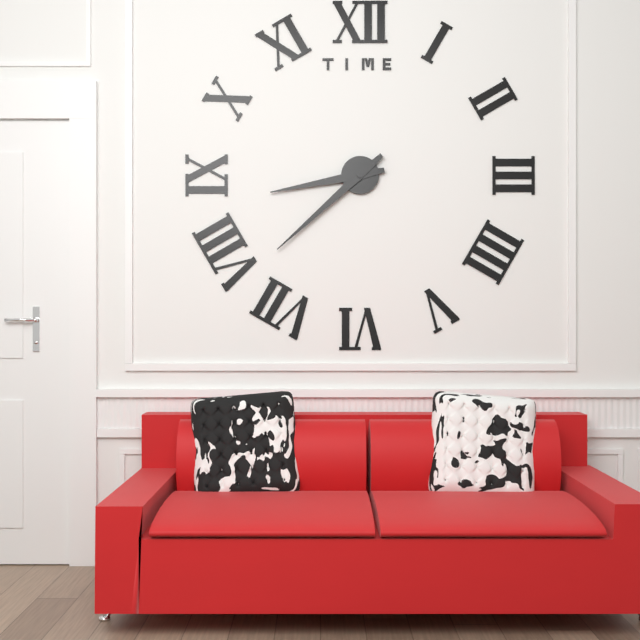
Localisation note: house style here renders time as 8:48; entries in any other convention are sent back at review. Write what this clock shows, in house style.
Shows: 8:38
